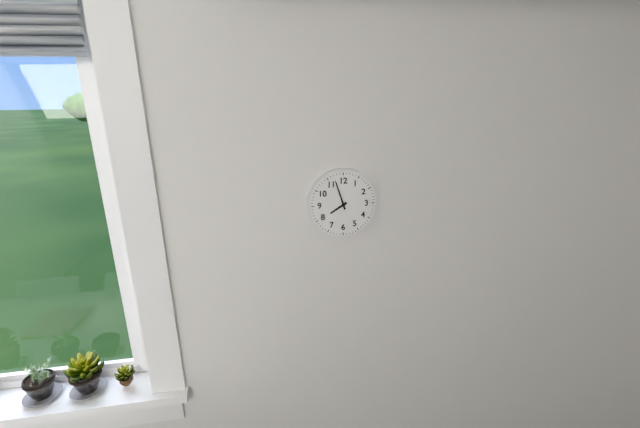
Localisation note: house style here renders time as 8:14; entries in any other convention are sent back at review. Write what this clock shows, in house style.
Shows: 7:57
